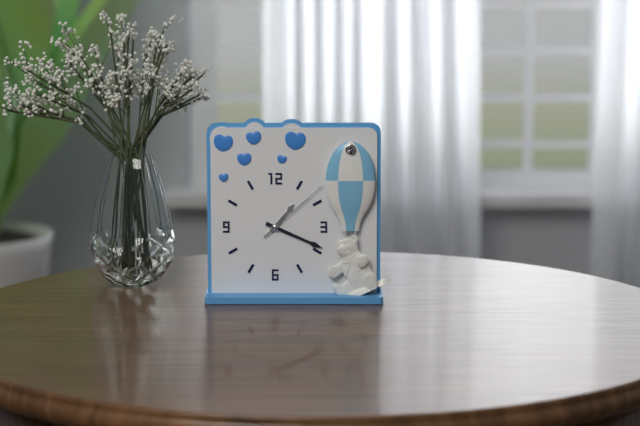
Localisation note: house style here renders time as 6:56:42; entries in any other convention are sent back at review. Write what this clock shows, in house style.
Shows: 1:19:08
